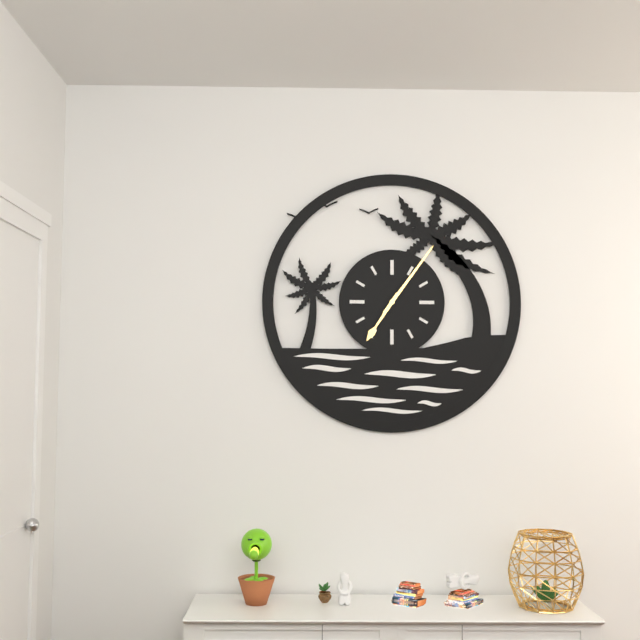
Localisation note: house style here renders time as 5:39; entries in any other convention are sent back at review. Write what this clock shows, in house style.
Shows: 7:06
